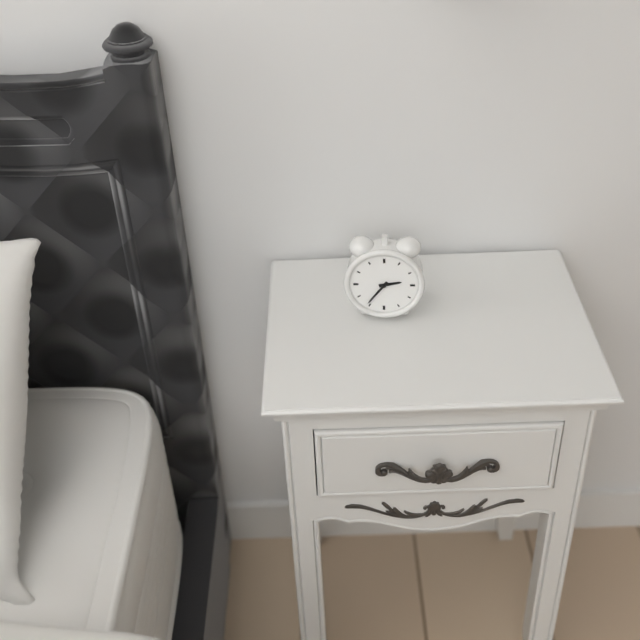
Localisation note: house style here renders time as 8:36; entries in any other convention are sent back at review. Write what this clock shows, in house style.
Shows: 2:36
